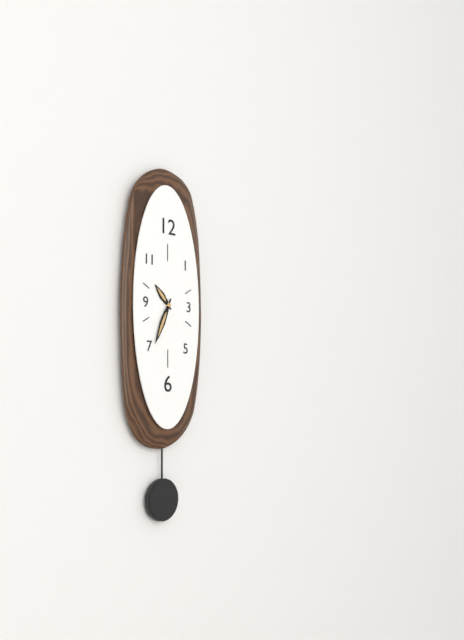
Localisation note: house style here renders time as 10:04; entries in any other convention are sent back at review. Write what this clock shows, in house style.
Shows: 10:34
